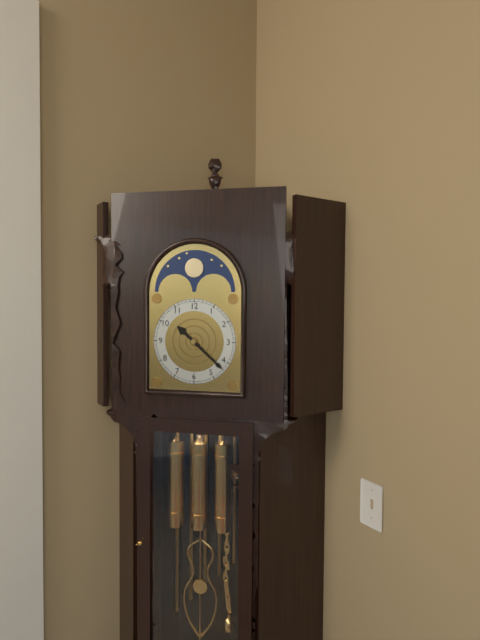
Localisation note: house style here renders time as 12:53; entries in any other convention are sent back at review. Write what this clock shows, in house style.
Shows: 10:22
